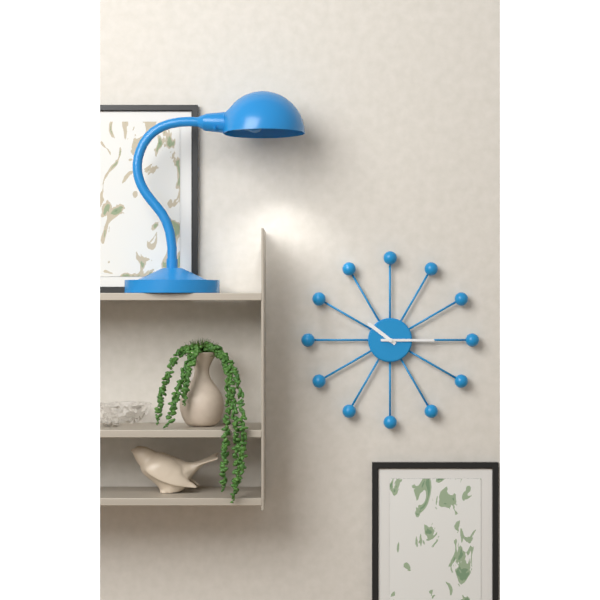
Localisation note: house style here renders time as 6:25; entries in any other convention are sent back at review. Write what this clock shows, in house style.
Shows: 10:15
